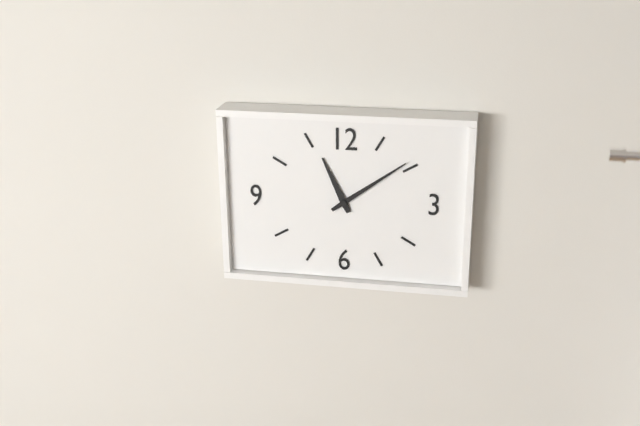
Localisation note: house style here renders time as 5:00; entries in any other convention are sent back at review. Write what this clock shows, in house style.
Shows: 11:09
